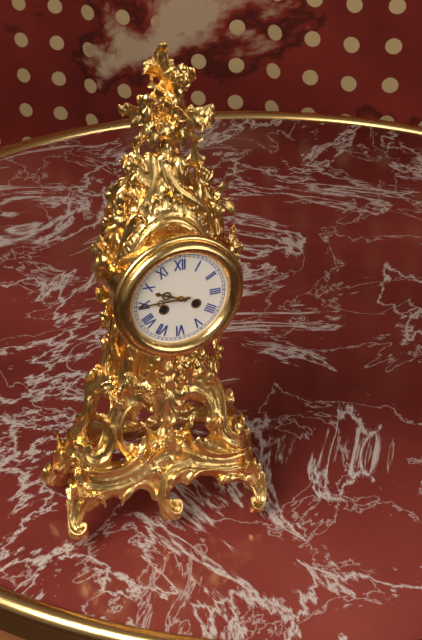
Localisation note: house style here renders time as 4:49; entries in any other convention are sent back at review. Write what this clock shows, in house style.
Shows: 9:45
